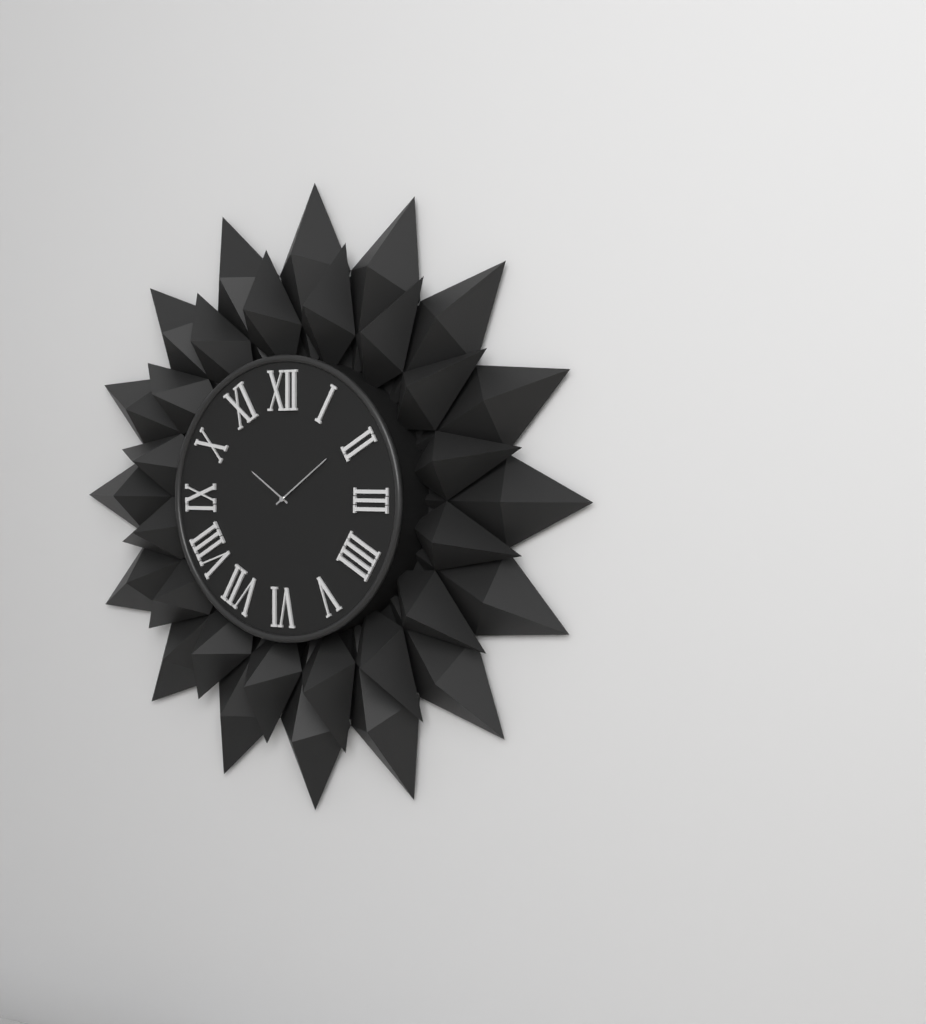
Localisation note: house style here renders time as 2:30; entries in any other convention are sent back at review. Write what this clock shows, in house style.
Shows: 10:09
